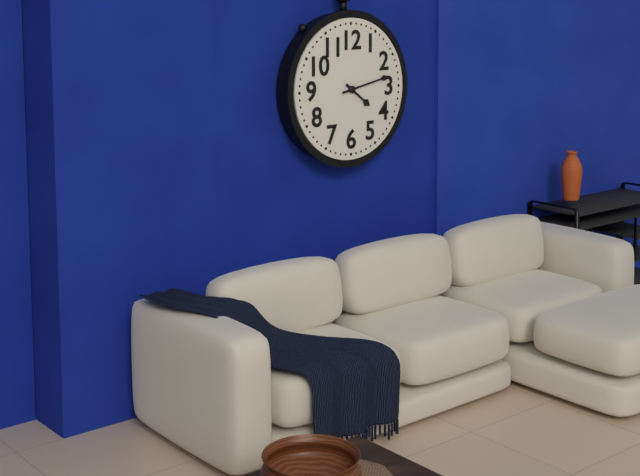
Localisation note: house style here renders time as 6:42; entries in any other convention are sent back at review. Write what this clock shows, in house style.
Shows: 4:13
